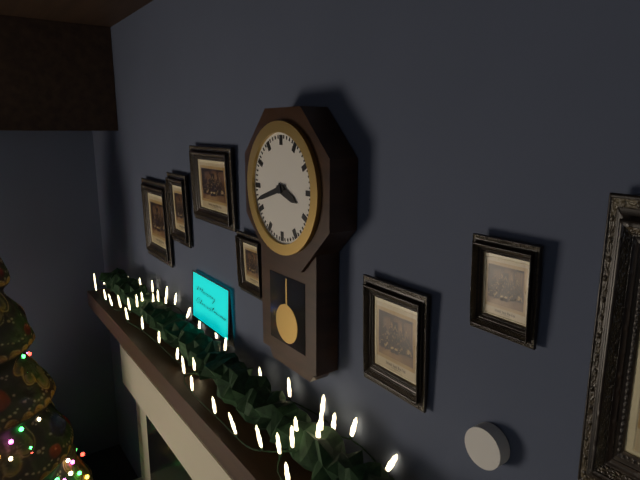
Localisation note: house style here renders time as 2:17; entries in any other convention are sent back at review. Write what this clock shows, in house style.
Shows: 3:42
